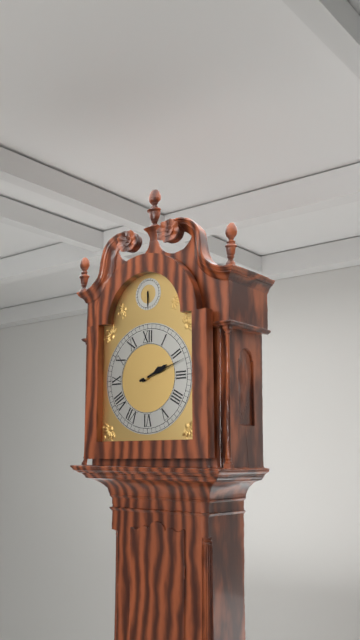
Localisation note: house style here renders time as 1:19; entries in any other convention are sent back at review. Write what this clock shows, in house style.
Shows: 2:12
